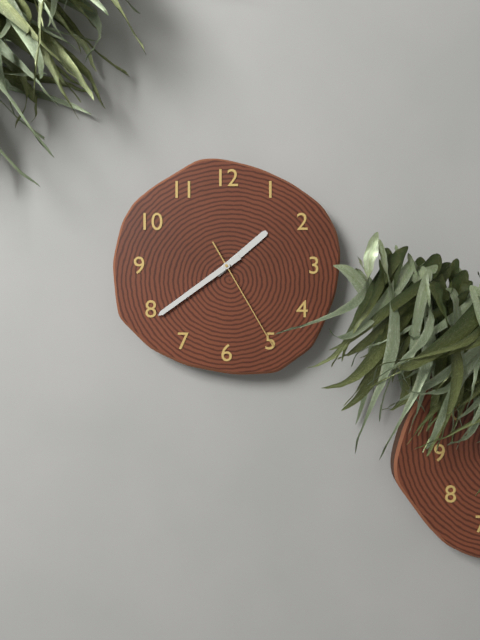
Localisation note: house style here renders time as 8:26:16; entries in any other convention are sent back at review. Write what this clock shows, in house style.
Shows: 1:39:25
